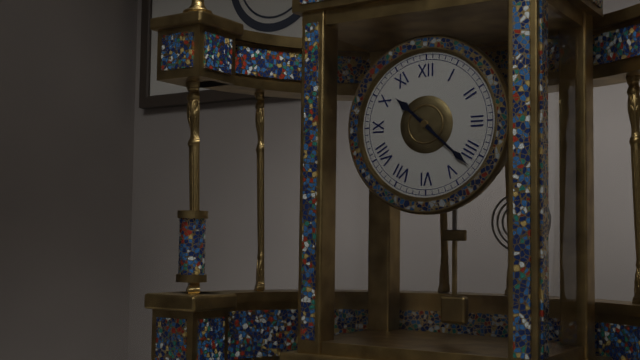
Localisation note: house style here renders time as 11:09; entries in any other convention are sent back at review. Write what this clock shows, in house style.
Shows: 10:22
